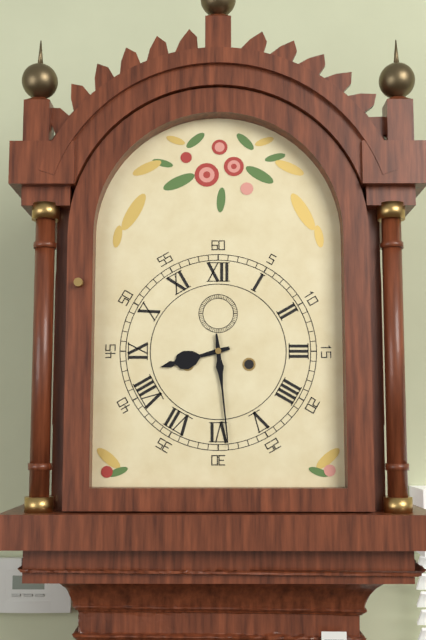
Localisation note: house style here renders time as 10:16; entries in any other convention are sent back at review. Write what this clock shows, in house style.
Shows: 8:29
